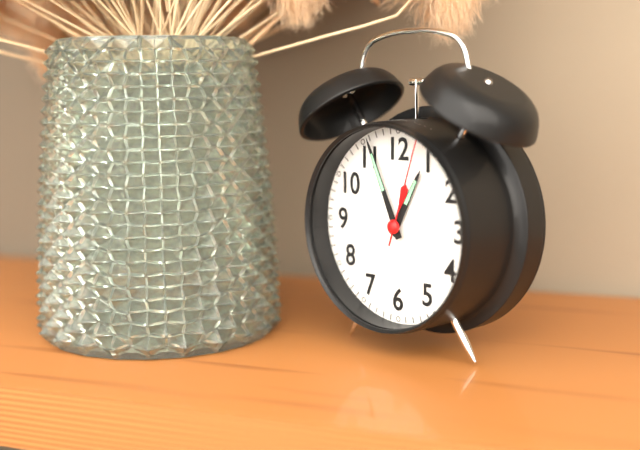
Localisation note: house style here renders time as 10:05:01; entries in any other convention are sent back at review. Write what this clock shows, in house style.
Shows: 12:56:03
